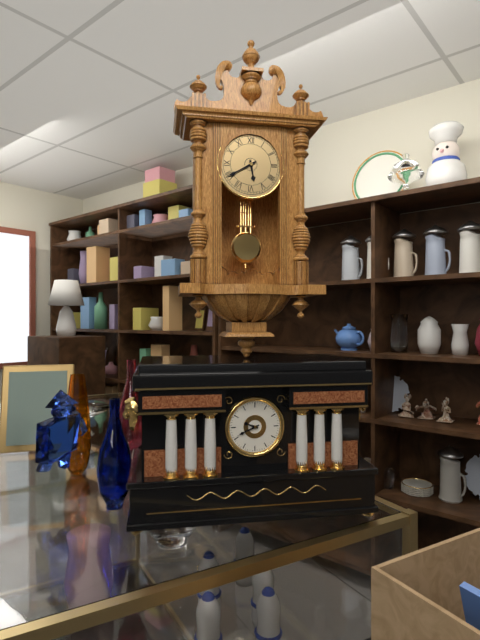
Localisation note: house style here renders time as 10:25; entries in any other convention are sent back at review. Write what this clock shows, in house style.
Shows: 5:40
